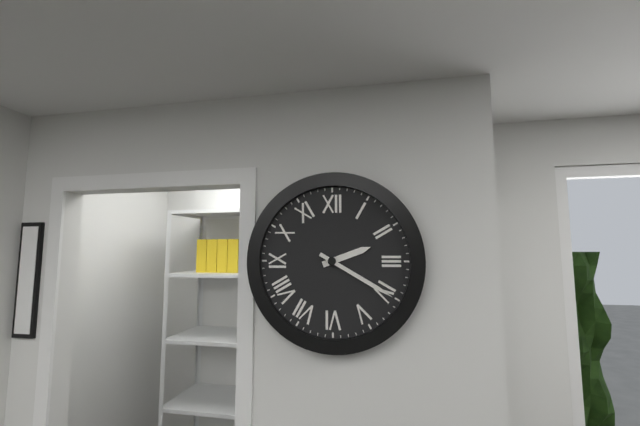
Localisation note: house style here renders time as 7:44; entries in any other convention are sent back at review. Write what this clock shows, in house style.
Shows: 2:20
